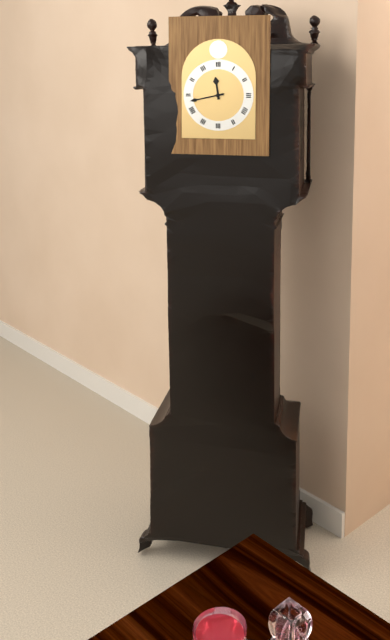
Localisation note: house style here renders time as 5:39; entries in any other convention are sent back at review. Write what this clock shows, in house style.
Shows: 11:43
